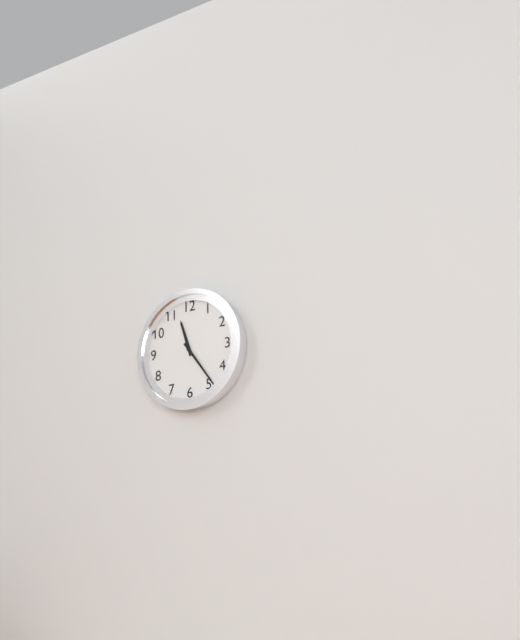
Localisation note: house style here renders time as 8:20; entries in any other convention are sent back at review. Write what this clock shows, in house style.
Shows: 11:24
